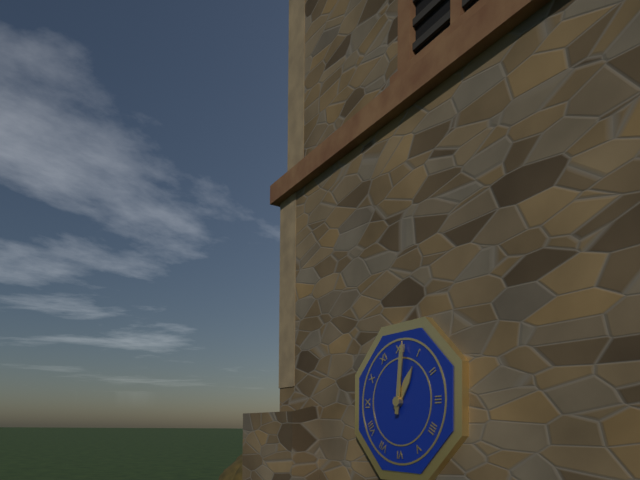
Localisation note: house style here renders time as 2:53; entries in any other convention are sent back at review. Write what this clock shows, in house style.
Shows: 1:01
